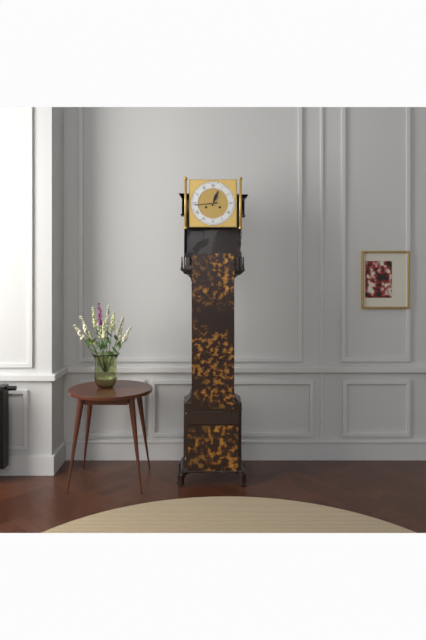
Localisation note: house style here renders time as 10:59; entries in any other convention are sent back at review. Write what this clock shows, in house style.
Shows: 12:44
